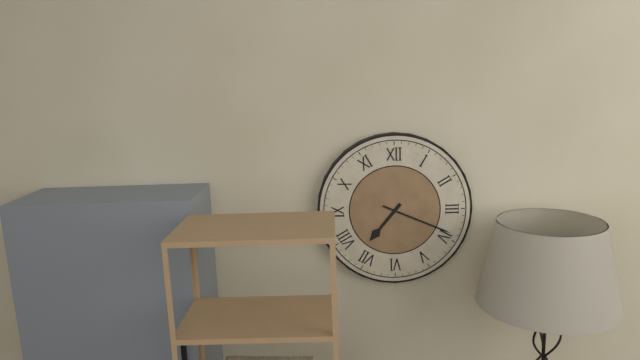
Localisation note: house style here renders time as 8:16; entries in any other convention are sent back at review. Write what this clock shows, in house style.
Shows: 7:19
